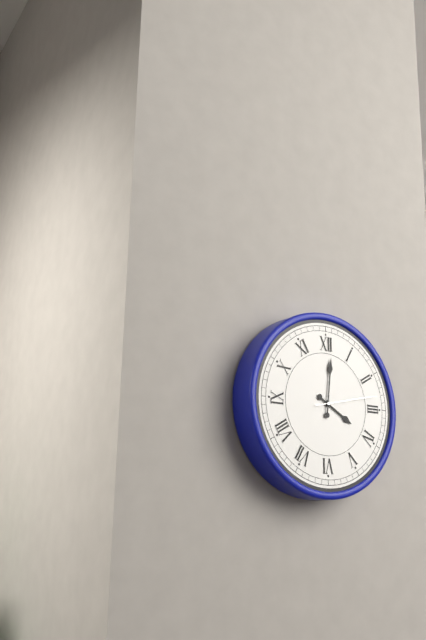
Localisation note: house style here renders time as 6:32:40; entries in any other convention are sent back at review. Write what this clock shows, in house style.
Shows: 4:01:13
